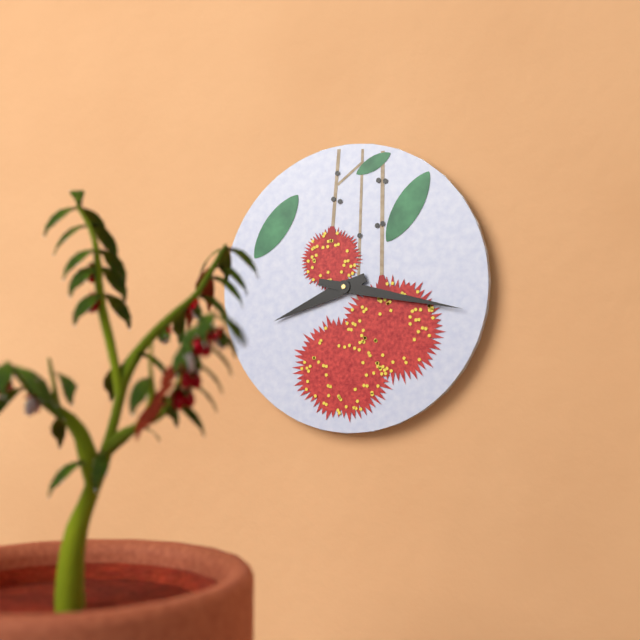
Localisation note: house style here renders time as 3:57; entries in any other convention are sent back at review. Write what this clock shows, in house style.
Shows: 8:17
